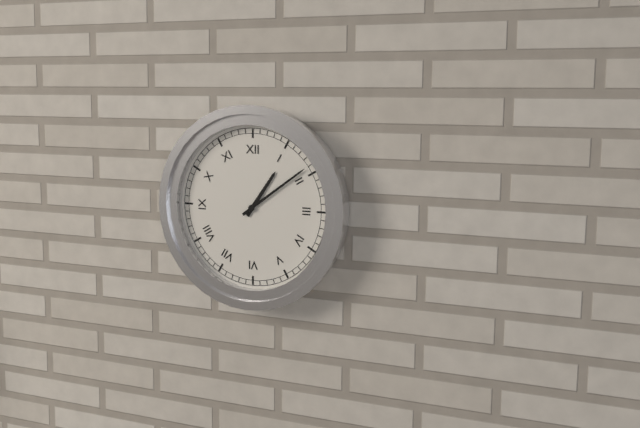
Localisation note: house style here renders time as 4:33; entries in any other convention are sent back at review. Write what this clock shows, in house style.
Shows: 1:09
